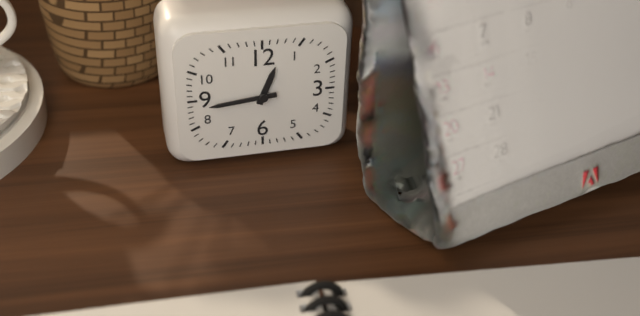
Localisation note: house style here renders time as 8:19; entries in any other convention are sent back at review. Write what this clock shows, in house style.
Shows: 12:44
